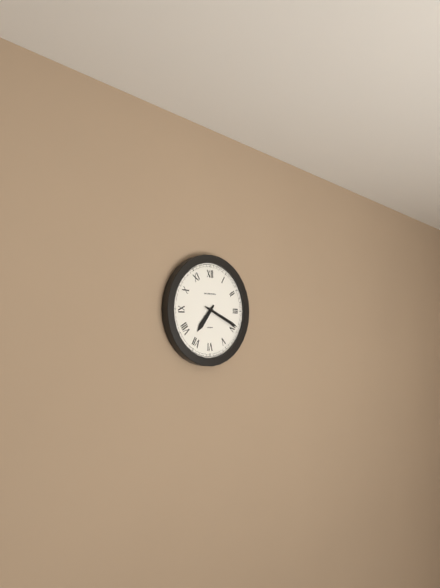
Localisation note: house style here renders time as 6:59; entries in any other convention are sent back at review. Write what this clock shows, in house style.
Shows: 7:19
